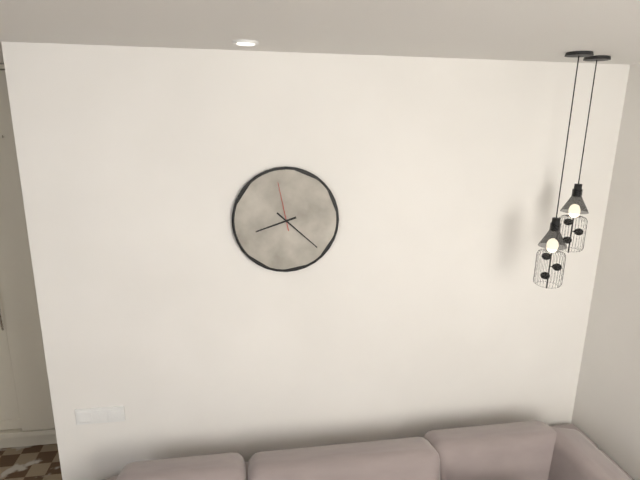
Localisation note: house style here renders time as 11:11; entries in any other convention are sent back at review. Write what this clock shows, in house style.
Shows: 8:22
